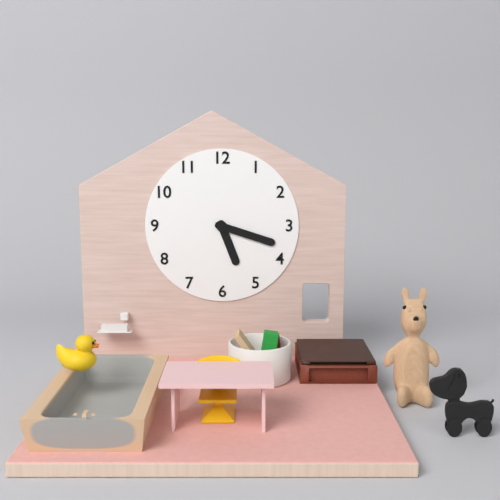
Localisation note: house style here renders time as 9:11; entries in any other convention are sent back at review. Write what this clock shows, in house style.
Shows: 5:18
